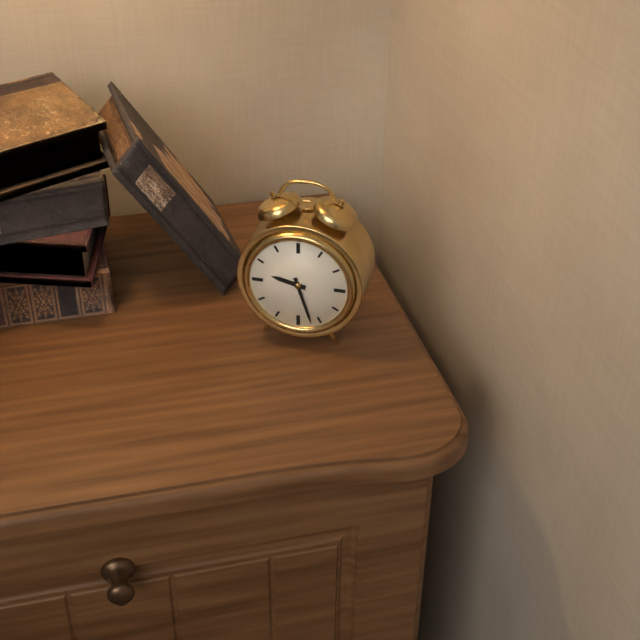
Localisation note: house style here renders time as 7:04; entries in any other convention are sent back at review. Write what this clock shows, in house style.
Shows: 9:27
